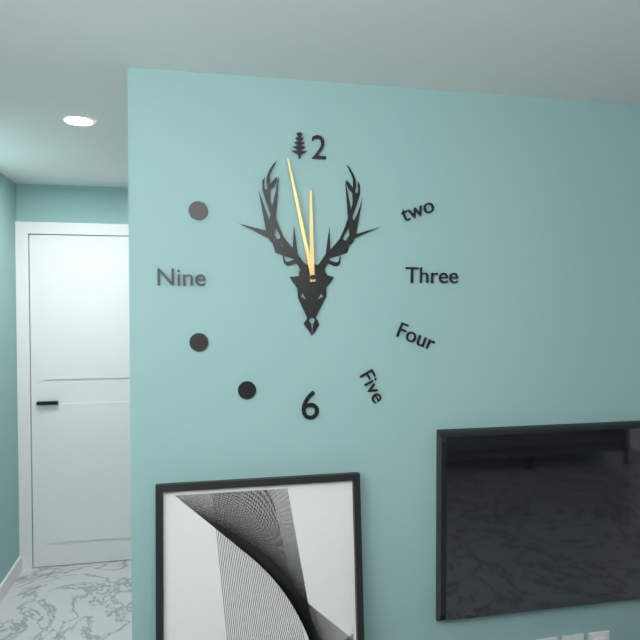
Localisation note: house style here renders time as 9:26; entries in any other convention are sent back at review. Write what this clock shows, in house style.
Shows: 11:58
